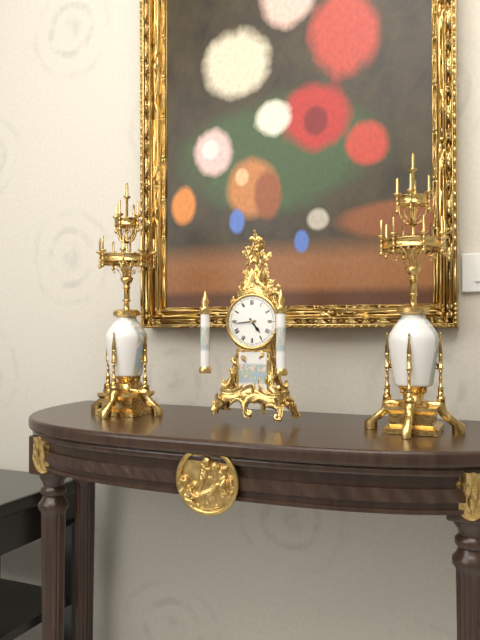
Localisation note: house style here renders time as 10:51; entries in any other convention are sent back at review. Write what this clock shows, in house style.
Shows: 4:44
